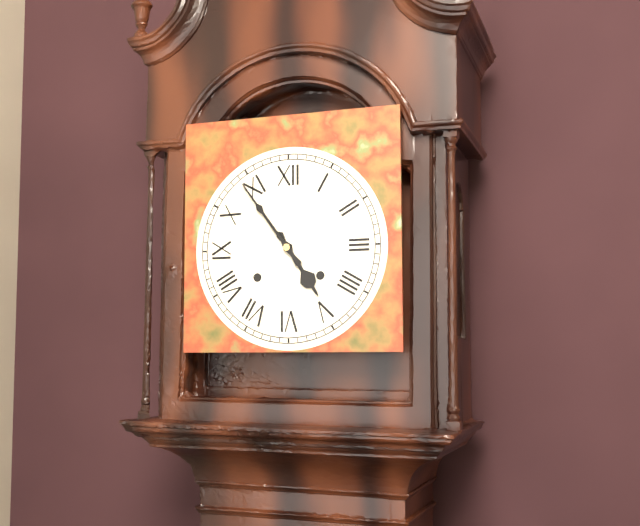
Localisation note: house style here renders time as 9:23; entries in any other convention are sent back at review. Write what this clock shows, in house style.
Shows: 4:54
